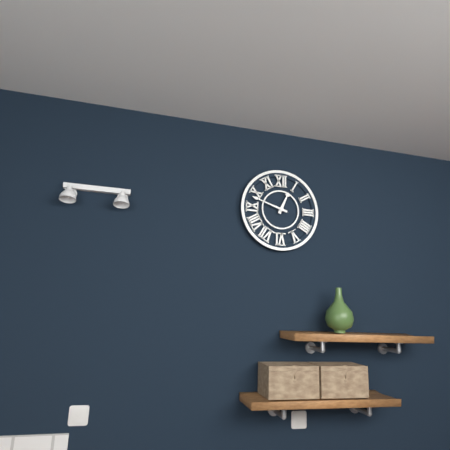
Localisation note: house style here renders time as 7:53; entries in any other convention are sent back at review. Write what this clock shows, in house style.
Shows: 12:48
